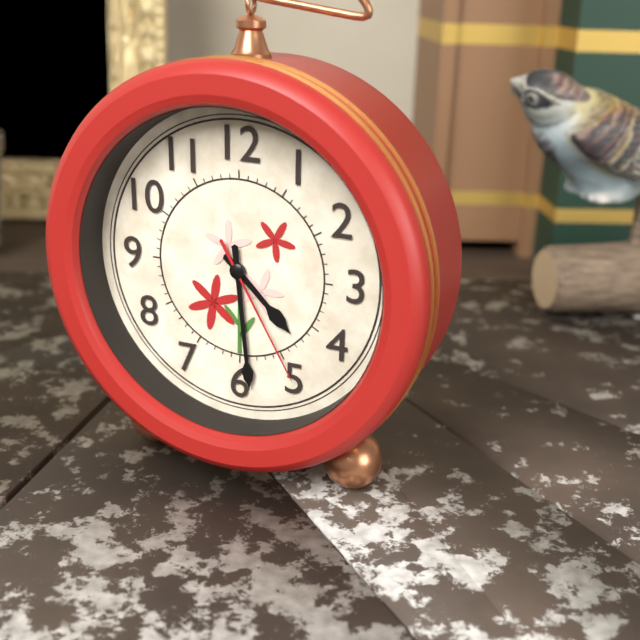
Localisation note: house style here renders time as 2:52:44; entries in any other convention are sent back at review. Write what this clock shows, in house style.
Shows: 4:29:25
